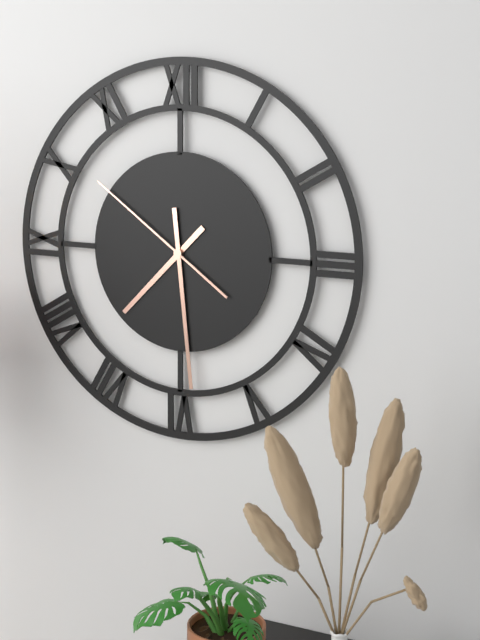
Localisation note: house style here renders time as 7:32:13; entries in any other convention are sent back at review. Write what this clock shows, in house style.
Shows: 7:29:51
